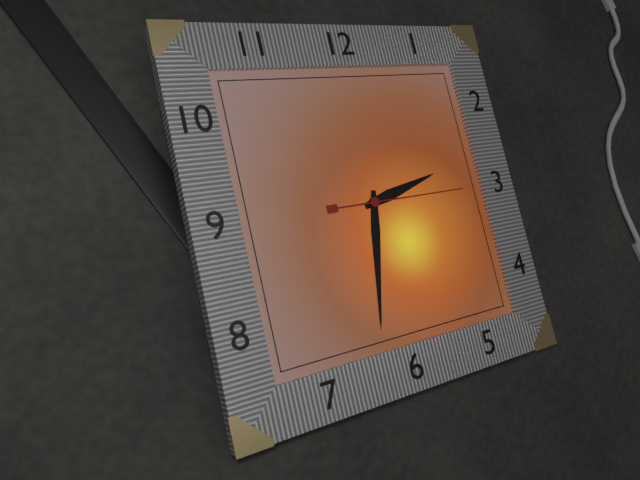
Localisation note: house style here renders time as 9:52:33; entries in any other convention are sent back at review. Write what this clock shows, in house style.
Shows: 2:32:15
